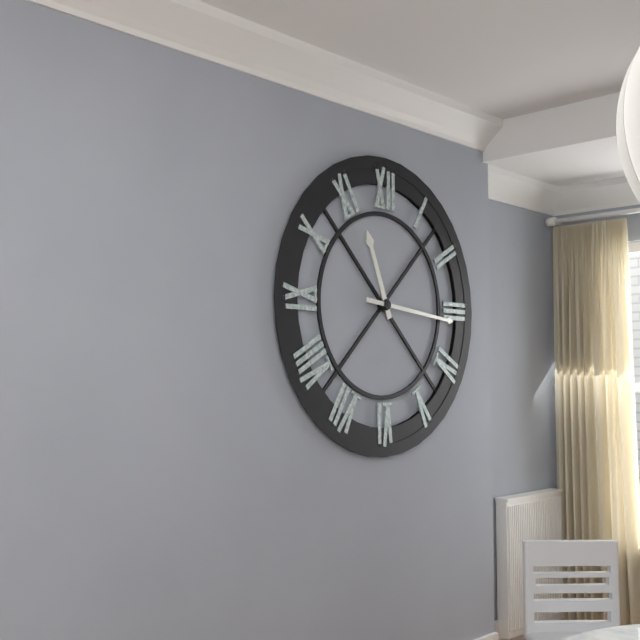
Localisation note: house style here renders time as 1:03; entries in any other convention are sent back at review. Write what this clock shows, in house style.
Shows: 11:16
